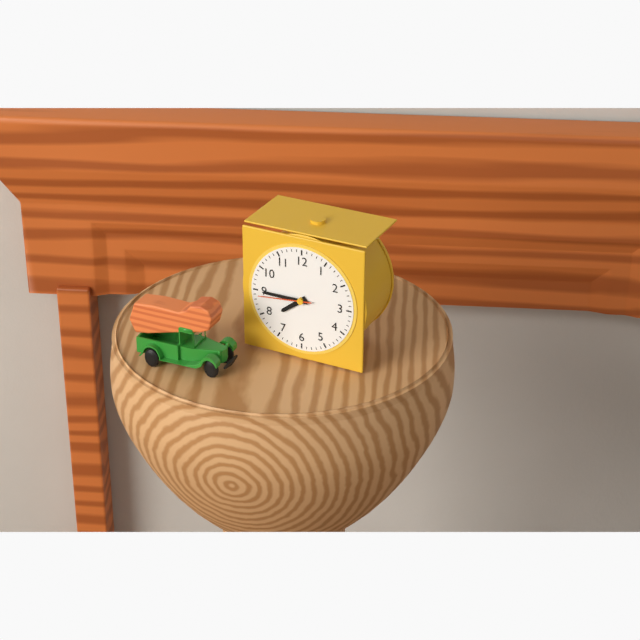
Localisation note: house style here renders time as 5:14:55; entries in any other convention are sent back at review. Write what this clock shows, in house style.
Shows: 7:45:44
